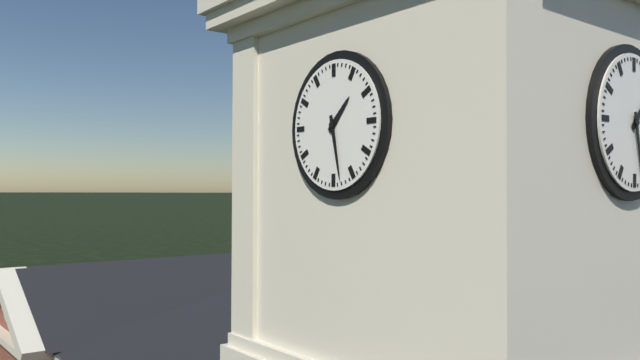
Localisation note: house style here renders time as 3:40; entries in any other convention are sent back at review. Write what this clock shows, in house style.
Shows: 1:28
